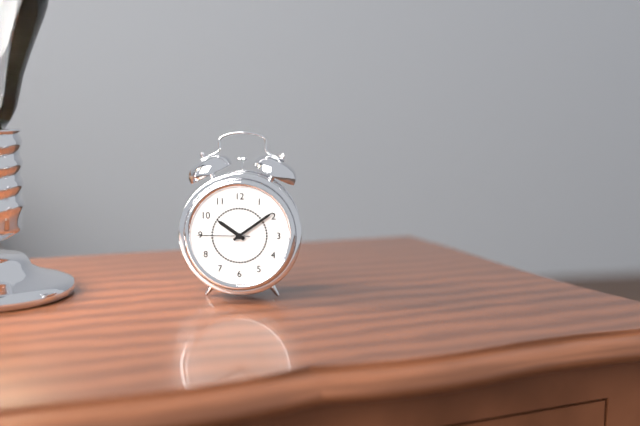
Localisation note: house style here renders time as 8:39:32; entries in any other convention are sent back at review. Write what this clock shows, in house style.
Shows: 10:09:45
